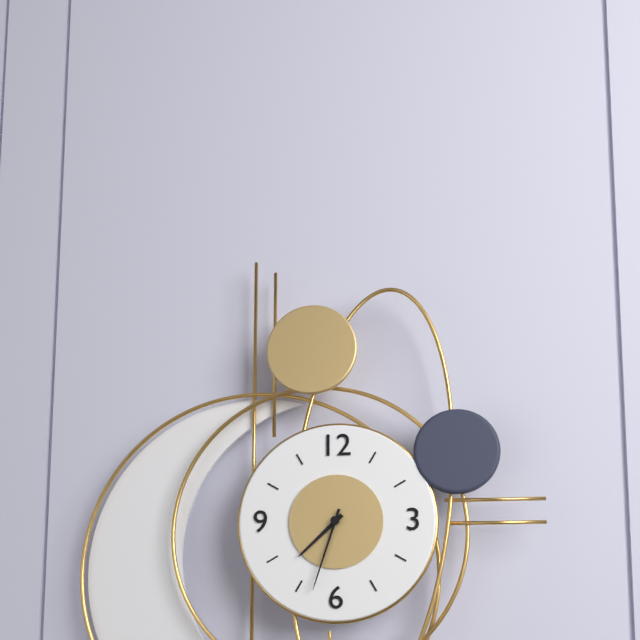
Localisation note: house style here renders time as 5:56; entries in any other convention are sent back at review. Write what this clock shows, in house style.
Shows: 7:33
